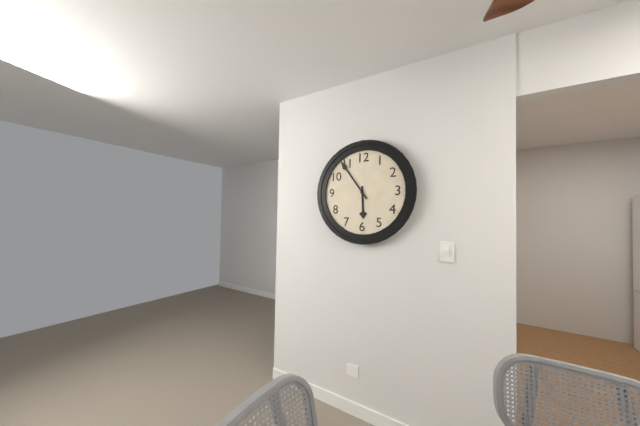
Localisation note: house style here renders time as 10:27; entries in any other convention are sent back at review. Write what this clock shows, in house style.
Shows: 5:54
